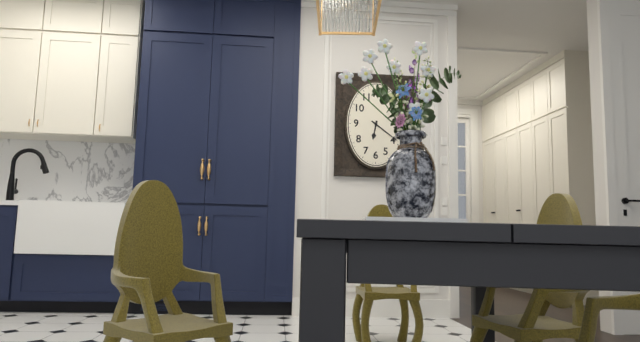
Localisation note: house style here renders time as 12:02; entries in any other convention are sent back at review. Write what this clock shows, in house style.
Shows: 6:21
